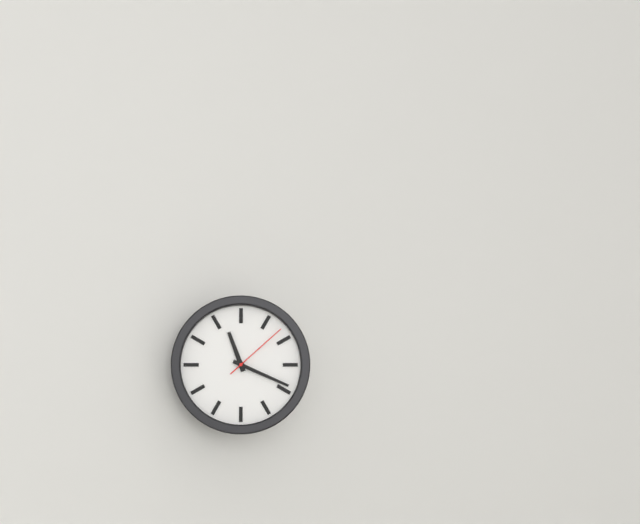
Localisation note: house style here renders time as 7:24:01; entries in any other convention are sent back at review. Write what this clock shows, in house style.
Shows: 11:19:08
